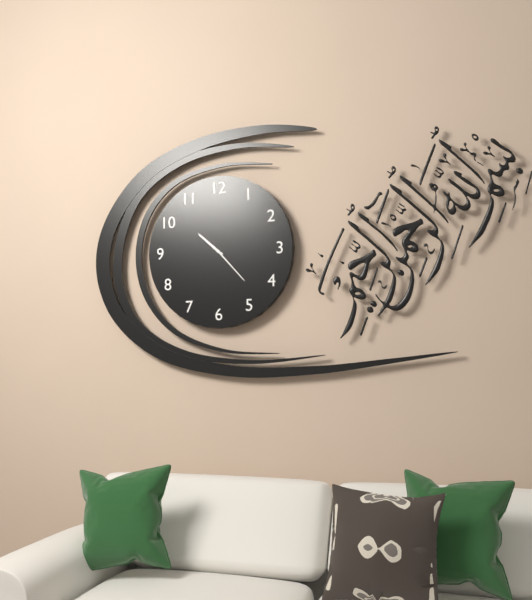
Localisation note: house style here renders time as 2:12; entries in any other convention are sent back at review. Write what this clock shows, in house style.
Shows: 10:23
